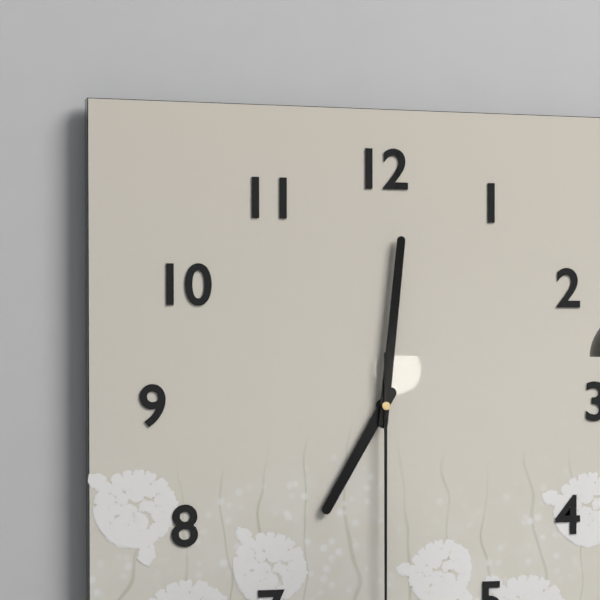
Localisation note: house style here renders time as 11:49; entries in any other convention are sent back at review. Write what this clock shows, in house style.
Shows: 7:01
